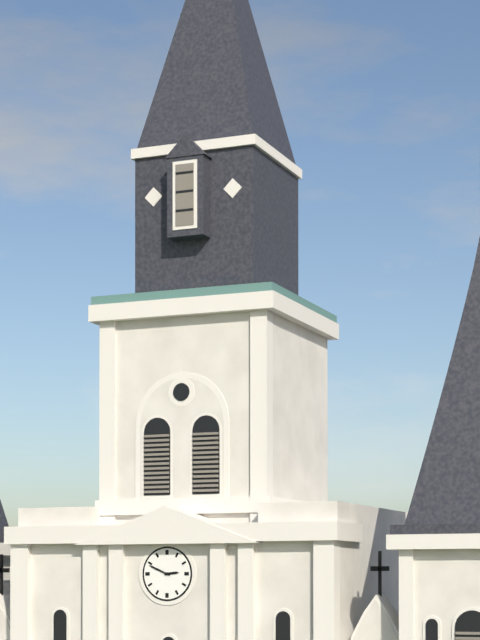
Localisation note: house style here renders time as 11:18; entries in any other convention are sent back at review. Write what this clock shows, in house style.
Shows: 2:49
